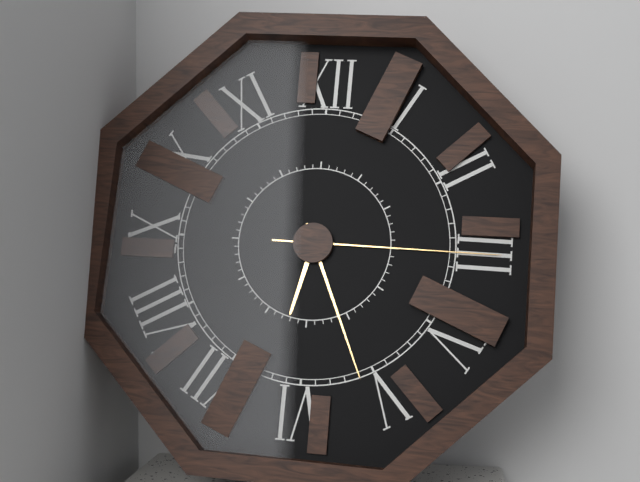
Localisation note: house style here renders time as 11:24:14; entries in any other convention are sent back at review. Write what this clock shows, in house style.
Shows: 6:26:15
